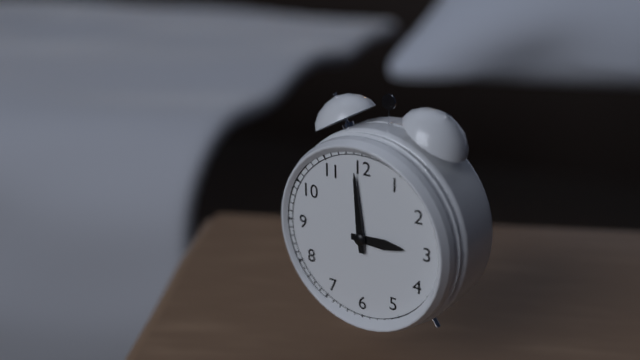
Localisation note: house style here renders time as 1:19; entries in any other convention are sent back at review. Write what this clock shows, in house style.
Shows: 2:59
